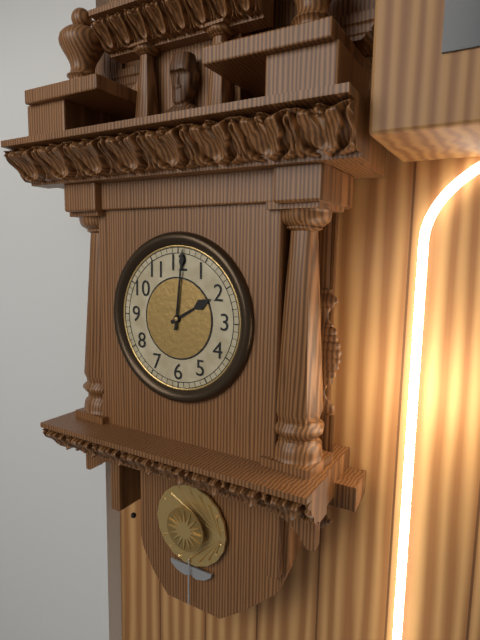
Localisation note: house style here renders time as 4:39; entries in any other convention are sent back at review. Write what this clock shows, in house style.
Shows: 2:01
